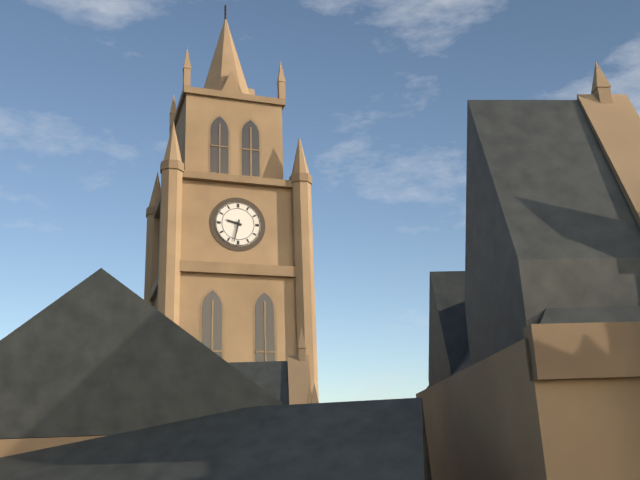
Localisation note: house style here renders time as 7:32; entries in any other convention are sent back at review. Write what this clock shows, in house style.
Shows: 9:32
